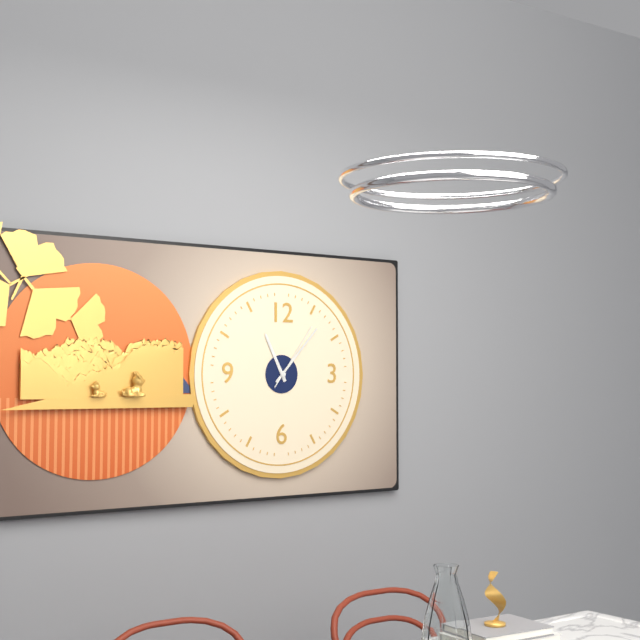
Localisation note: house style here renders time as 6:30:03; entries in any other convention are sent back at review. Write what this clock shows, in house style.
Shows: 11:07:06
